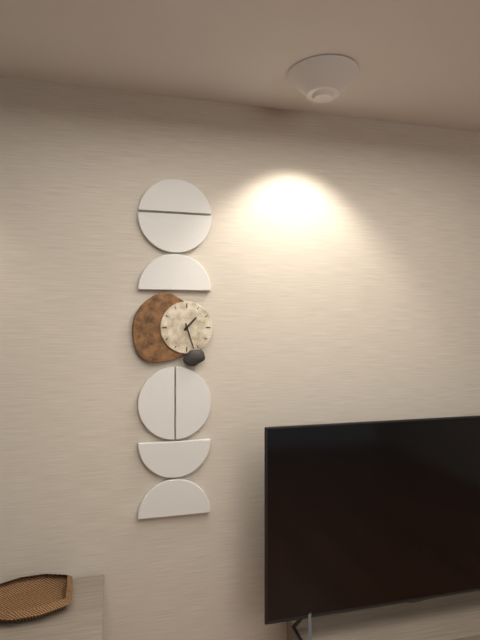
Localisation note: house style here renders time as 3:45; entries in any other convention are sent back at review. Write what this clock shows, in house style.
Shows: 1:27
